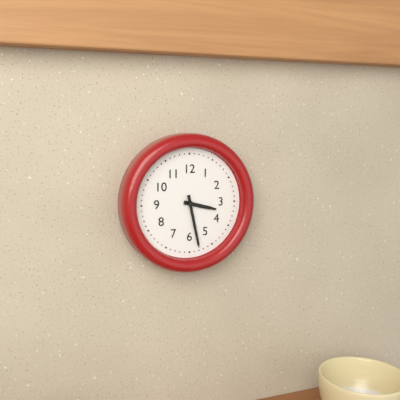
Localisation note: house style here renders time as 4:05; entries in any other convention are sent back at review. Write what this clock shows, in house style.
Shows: 3:28
